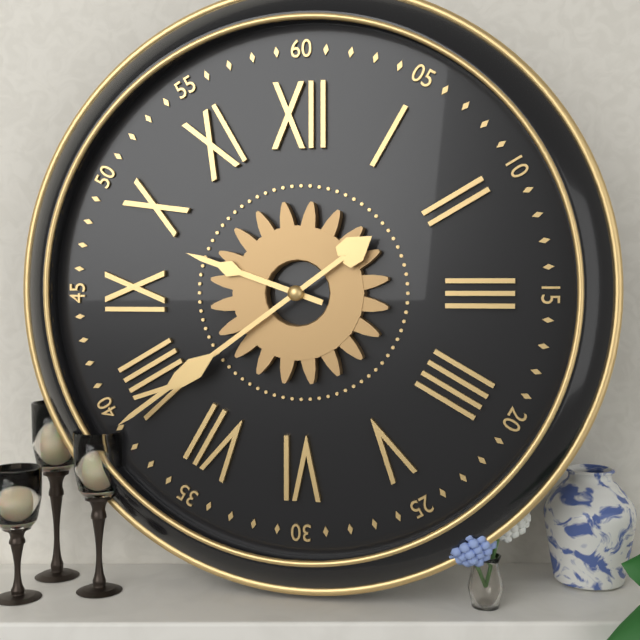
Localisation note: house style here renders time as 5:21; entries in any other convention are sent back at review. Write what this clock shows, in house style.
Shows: 9:39
